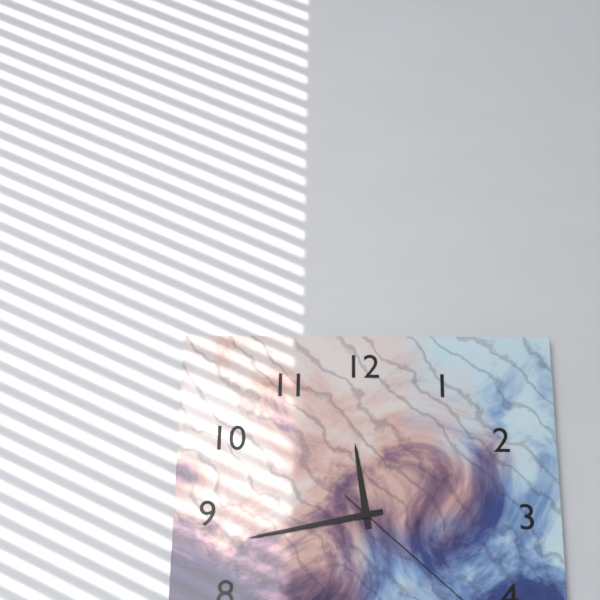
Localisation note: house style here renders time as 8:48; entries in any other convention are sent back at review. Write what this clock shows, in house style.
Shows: 11:43
